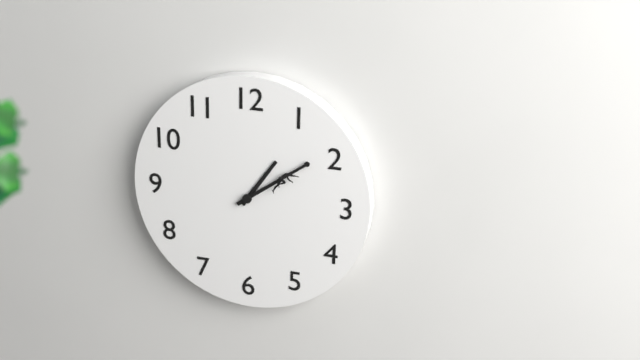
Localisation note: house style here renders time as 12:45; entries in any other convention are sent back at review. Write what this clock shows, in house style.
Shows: 1:09
